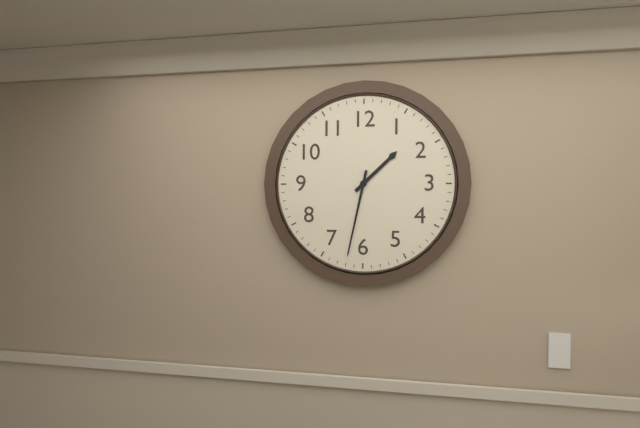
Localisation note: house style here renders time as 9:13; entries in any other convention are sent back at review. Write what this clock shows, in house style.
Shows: 1:32
